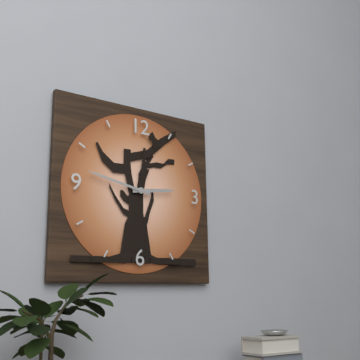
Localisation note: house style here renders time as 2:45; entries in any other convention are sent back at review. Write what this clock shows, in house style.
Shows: 2:47
